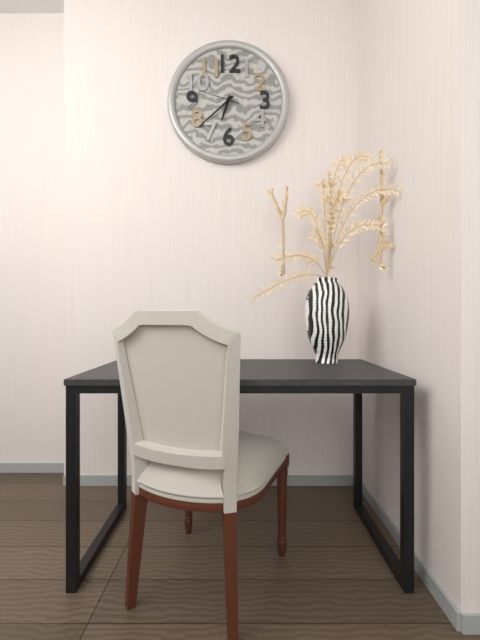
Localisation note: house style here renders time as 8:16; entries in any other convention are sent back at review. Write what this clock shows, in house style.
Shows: 6:38
